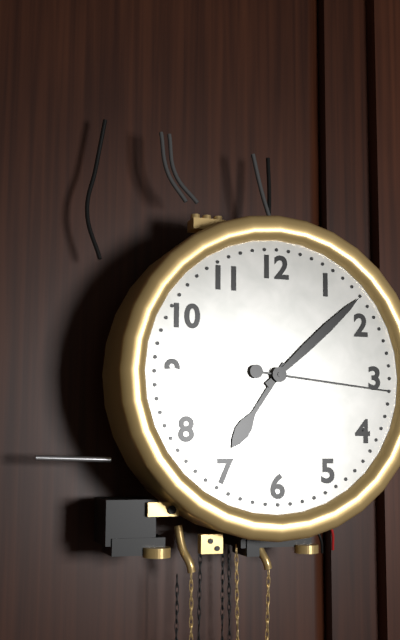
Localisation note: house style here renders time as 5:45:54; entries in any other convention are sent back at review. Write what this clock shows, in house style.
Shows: 7:08:16
